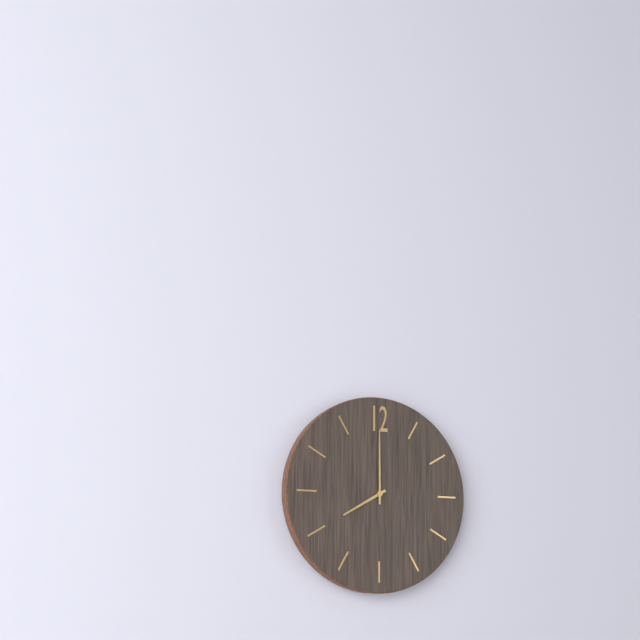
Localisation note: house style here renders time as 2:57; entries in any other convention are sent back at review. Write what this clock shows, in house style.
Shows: 8:00
